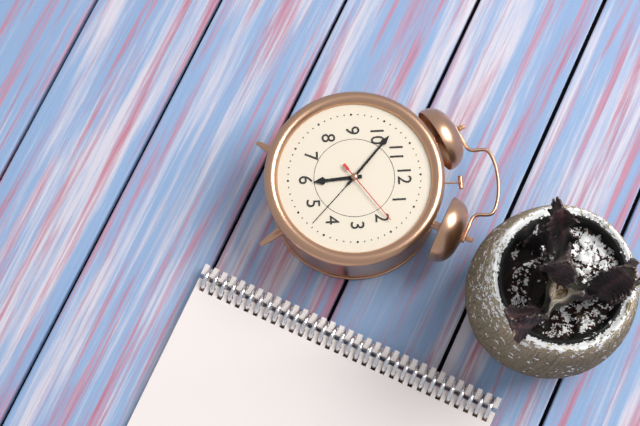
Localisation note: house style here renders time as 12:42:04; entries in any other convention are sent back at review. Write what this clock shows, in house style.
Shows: 5:52:09
